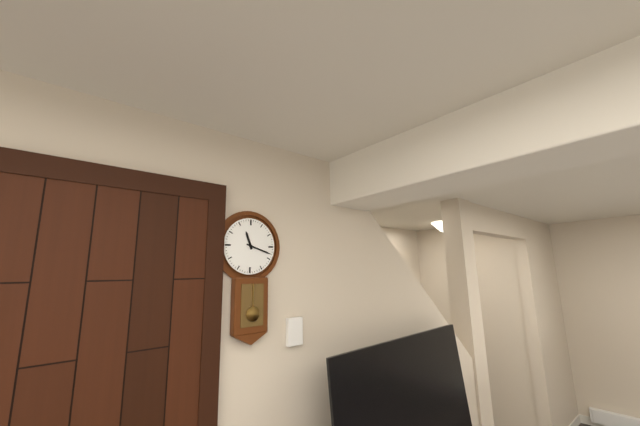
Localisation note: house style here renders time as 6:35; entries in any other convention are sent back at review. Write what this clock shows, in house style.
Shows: 11:18
